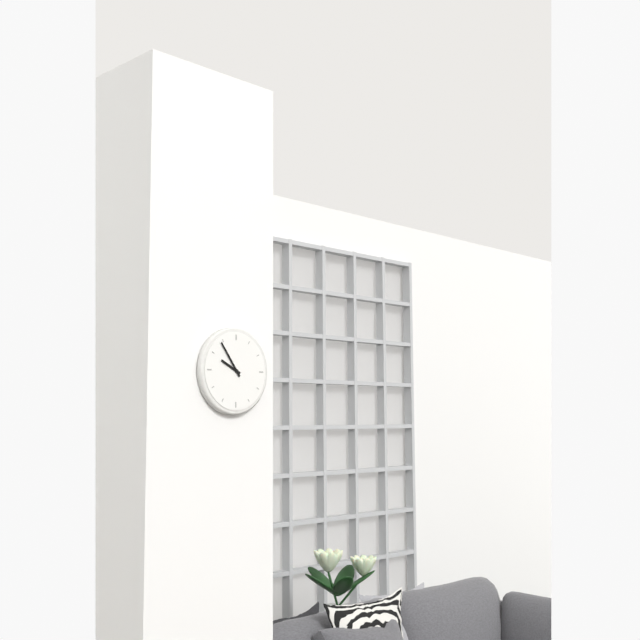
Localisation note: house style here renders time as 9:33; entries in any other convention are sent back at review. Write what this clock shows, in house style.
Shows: 9:54
